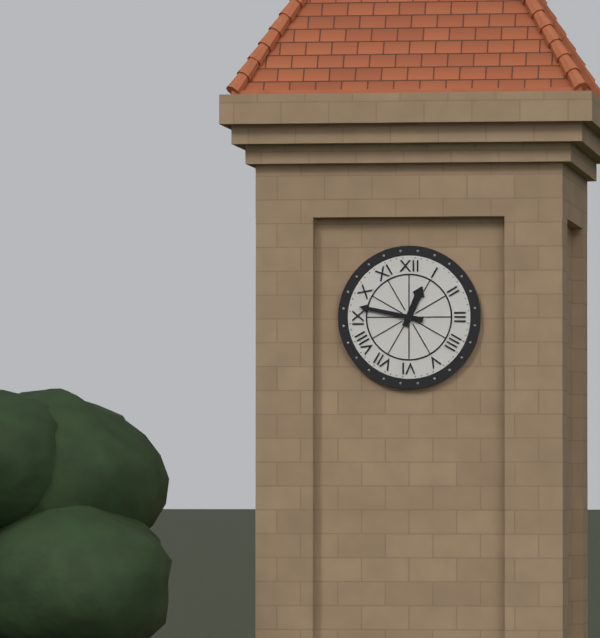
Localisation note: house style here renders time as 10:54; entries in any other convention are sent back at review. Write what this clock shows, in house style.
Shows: 12:47
